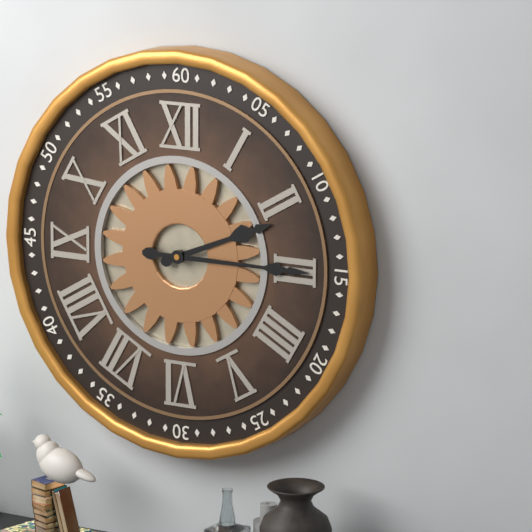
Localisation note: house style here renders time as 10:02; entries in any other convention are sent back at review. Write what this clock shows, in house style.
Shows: 2:15
